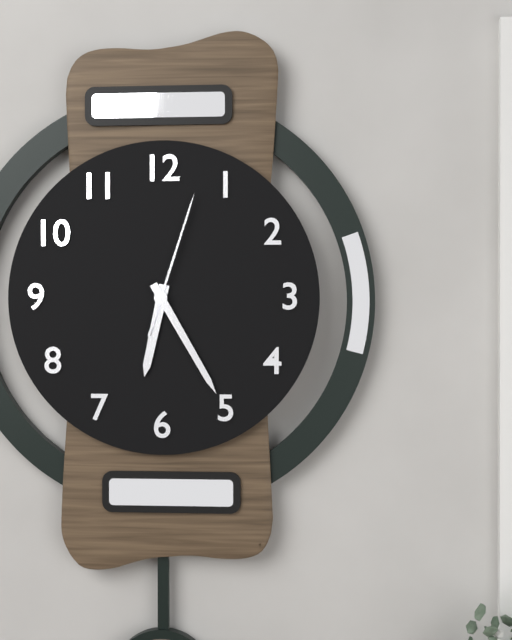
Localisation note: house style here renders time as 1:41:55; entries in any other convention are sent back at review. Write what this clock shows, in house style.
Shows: 6:25:03
